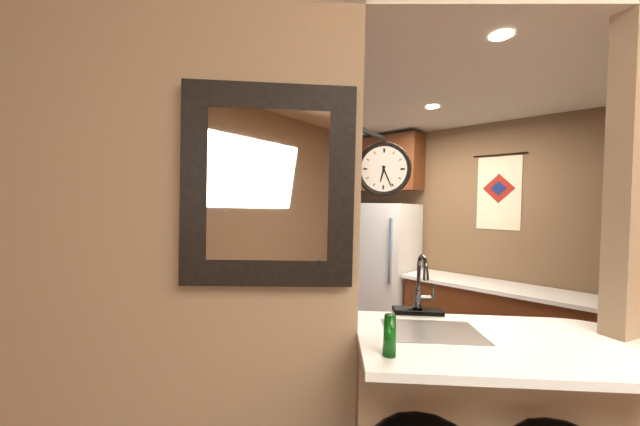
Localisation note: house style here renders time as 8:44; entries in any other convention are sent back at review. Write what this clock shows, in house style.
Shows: 6:26
